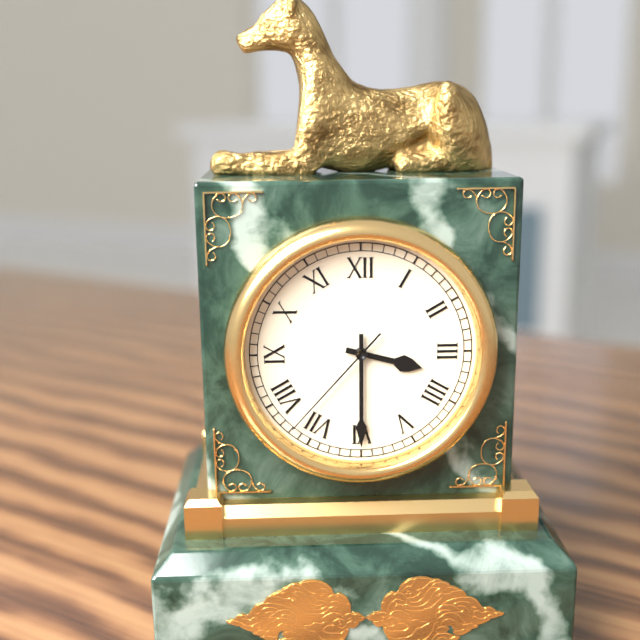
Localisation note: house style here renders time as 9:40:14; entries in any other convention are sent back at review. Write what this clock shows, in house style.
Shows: 3:30:37
